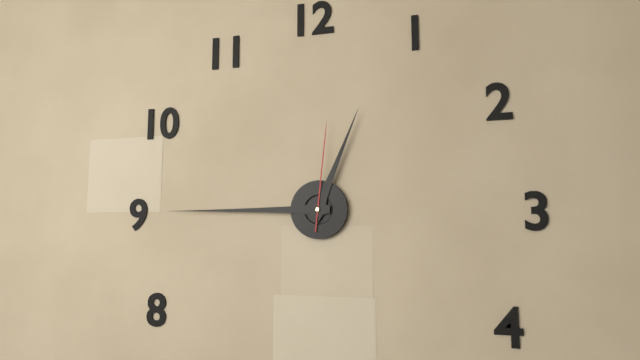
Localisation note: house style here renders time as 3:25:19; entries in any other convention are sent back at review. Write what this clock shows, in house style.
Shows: 12:45:01
